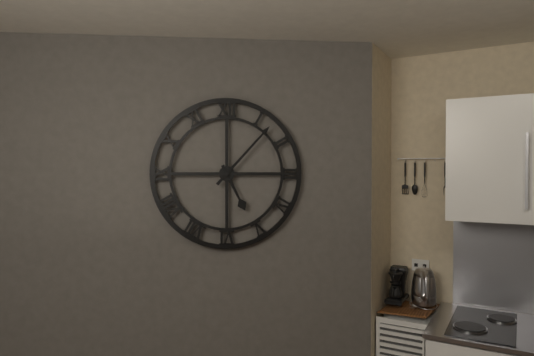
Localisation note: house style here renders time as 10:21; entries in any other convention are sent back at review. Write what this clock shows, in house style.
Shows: 5:07
